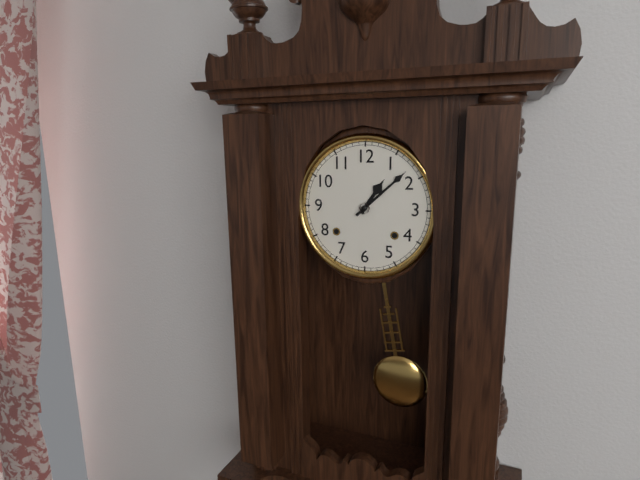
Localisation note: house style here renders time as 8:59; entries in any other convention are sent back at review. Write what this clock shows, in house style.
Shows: 1:08
